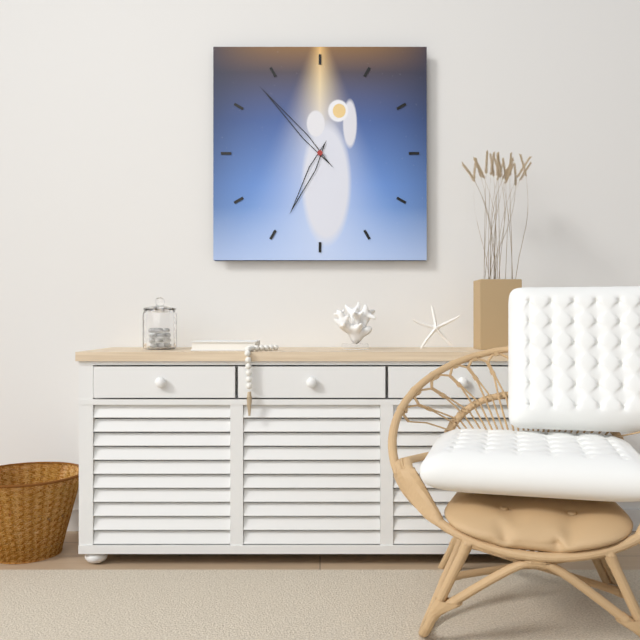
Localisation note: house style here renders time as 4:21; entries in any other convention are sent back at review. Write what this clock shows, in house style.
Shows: 6:53
